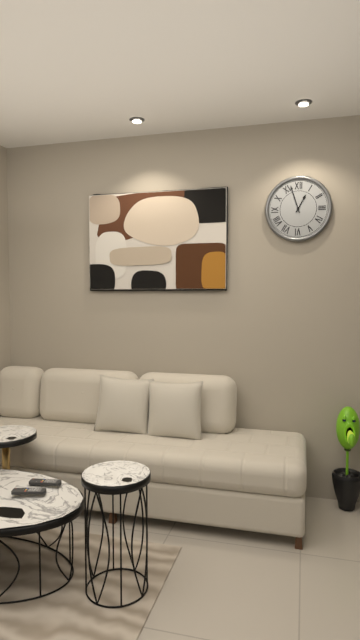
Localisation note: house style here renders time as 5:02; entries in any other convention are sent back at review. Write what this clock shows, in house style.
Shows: 12:57
